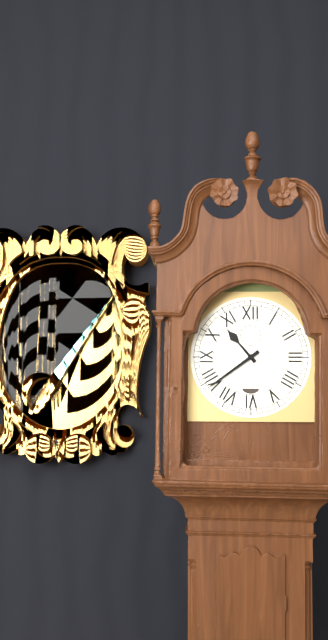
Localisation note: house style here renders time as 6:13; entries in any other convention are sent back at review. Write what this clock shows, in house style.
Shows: 10:39
